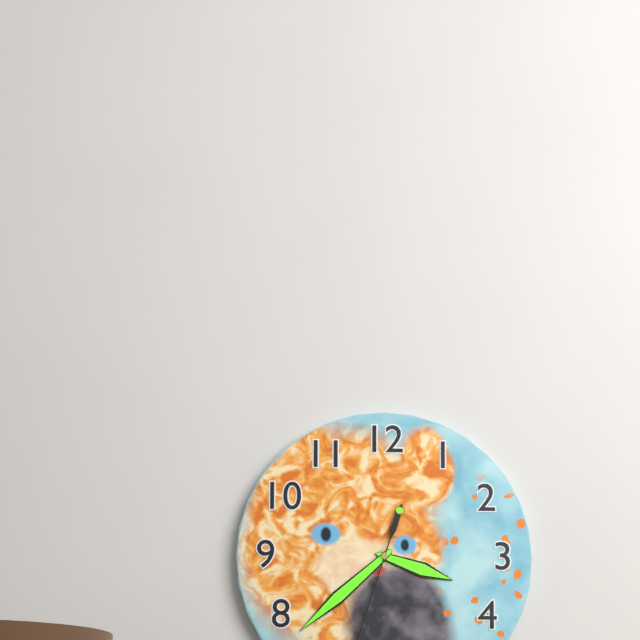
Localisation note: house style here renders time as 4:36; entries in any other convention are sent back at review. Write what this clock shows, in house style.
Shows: 3:38
